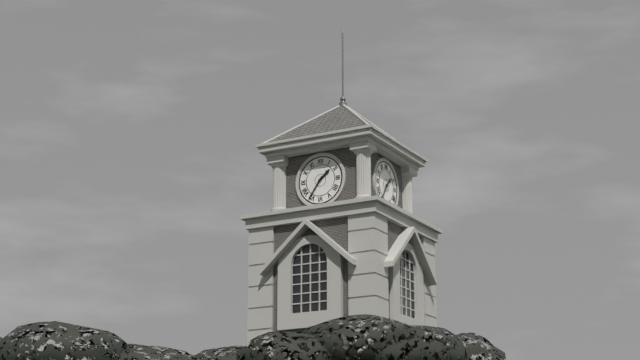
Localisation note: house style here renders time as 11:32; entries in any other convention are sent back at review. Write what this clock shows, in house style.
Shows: 1:36
